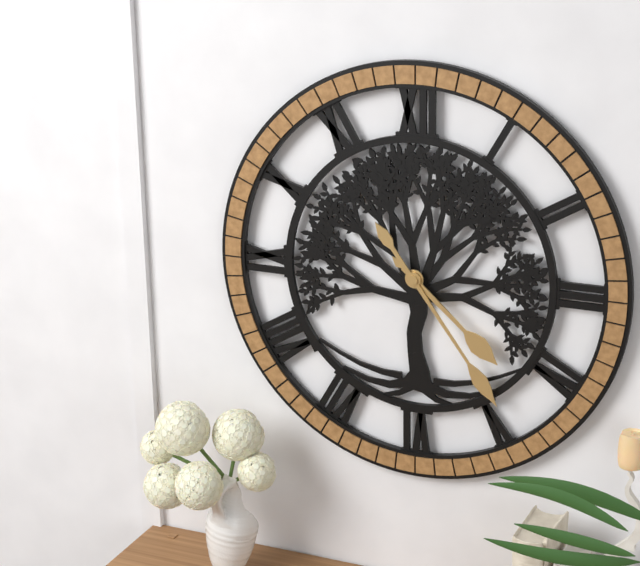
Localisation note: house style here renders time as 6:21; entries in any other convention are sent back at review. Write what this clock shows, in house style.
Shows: 4:24
